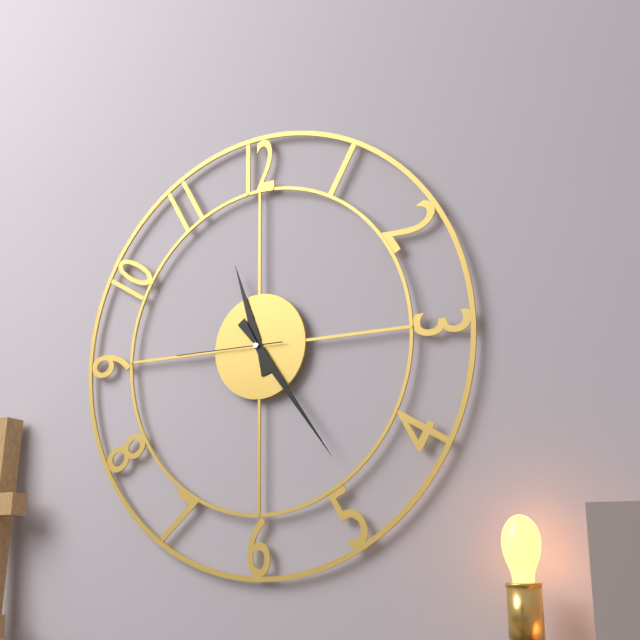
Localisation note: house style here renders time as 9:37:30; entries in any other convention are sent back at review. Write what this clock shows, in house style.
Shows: 11:24:45
